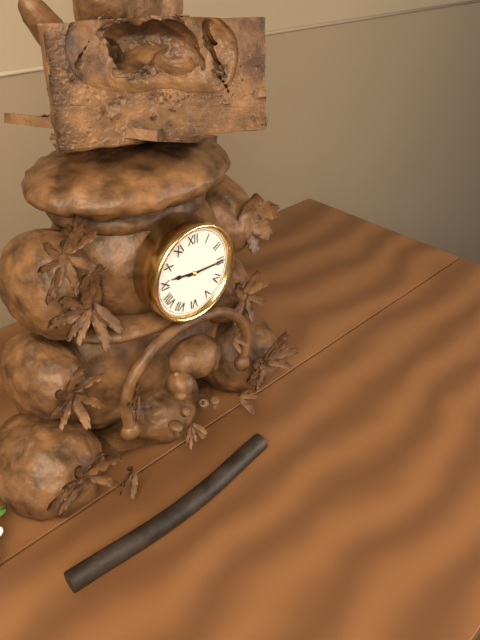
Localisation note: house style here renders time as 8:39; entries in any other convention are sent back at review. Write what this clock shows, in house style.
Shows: 9:15
